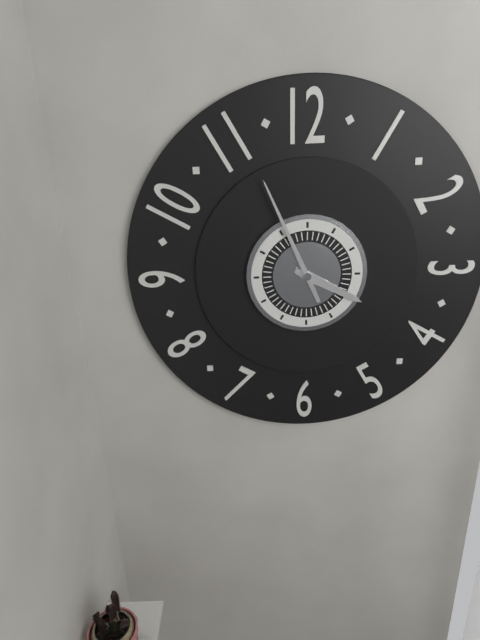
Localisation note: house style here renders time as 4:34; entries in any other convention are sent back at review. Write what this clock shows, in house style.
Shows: 3:56
